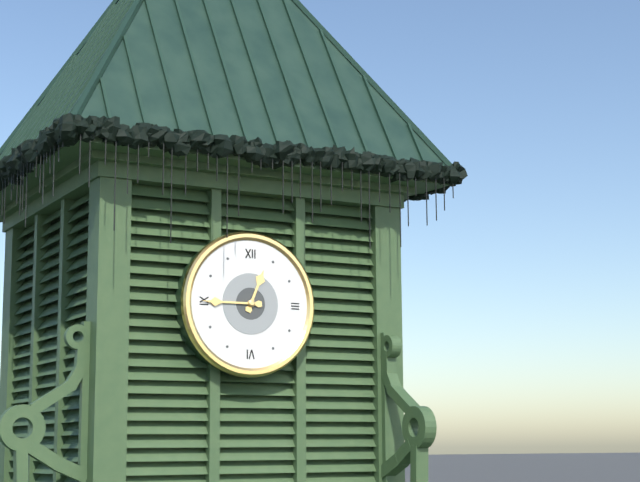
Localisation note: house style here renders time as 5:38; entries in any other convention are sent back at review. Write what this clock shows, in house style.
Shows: 12:45
